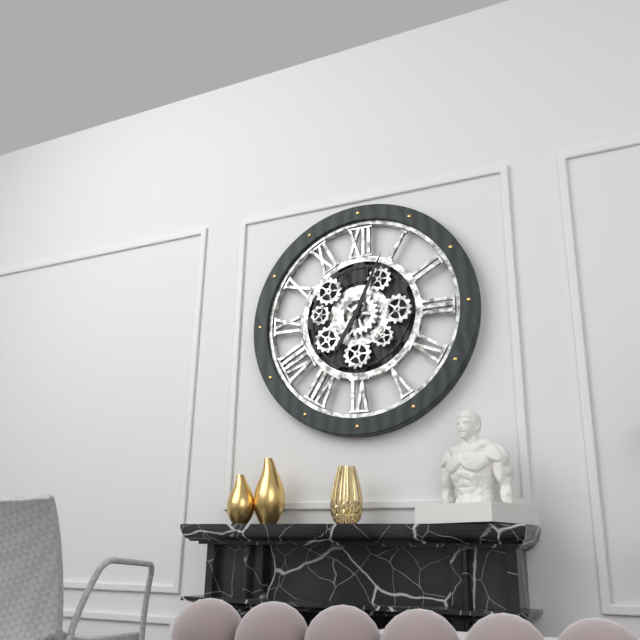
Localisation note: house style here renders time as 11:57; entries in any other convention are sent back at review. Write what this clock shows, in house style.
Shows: 7:04
